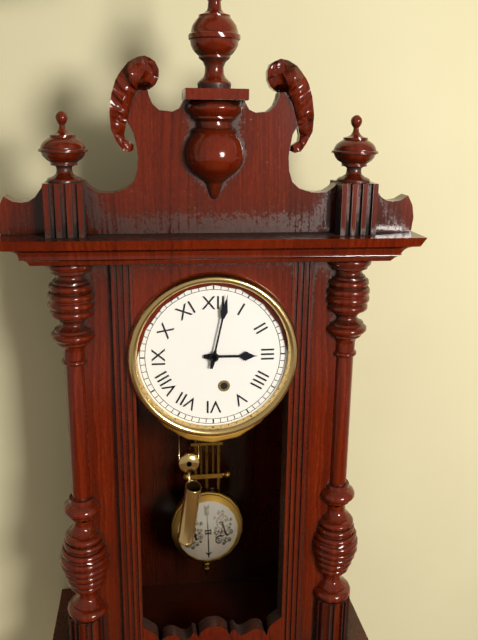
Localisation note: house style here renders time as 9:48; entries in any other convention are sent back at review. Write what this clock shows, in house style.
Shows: 3:02
